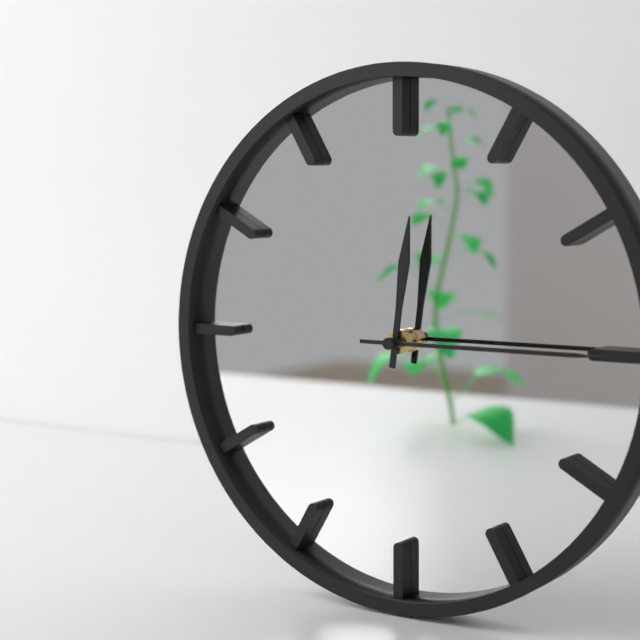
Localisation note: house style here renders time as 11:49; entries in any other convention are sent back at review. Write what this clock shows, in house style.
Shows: 12:15
